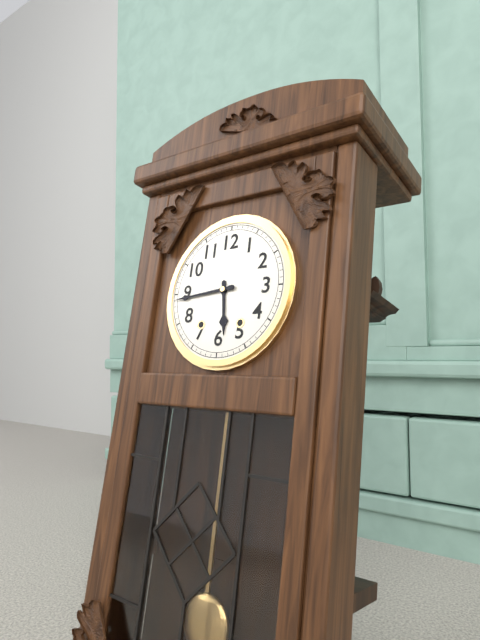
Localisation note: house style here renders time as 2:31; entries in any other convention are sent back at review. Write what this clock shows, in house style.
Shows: 5:44
